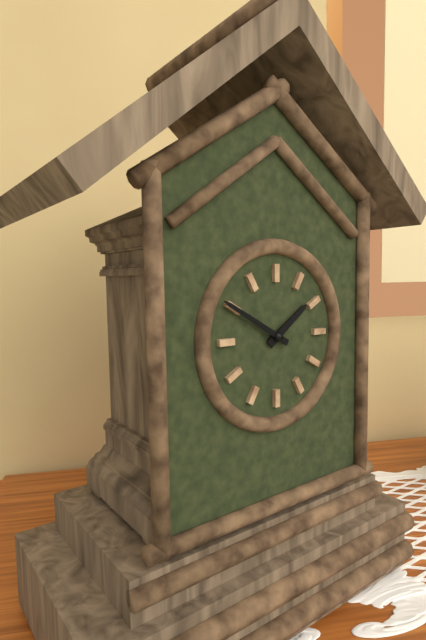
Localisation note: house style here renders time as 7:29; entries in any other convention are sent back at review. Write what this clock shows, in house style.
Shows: 1:50
